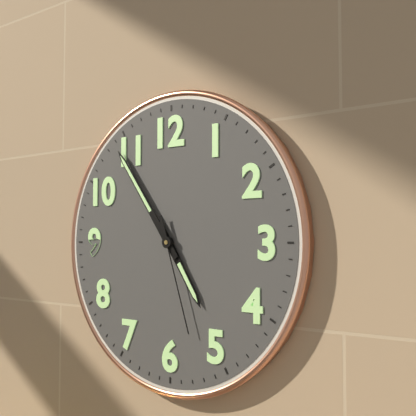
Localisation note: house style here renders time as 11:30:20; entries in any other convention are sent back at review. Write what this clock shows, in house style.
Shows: 4:54:27
